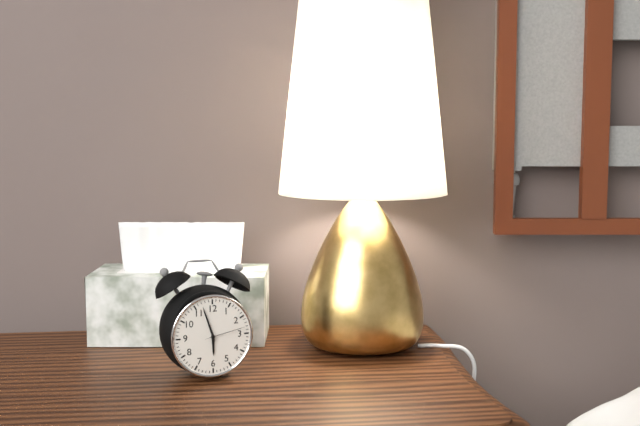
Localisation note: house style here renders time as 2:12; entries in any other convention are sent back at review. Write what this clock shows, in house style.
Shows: 5:57
